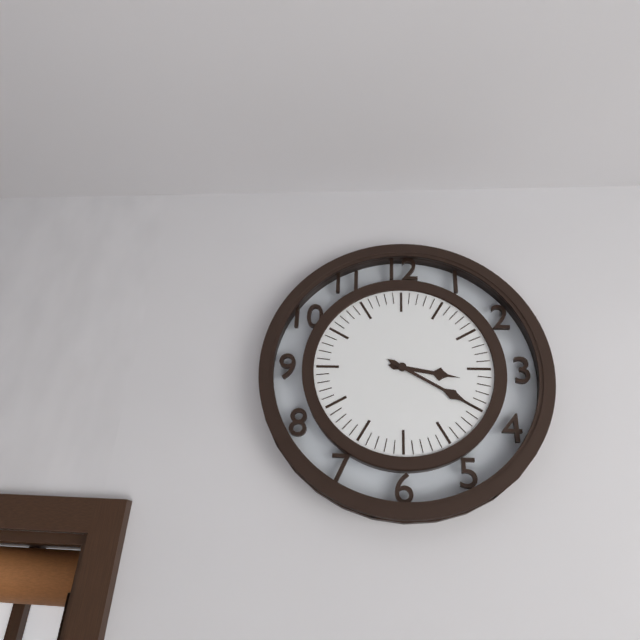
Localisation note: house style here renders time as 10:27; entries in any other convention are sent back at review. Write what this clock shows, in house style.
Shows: 3:20
